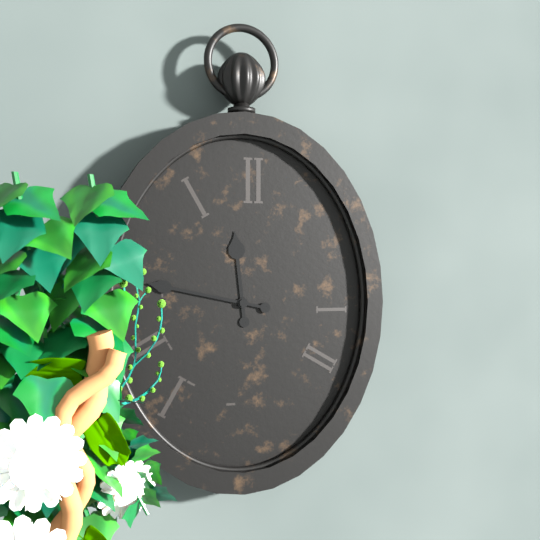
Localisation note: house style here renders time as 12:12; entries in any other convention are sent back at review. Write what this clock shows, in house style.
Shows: 11:47
